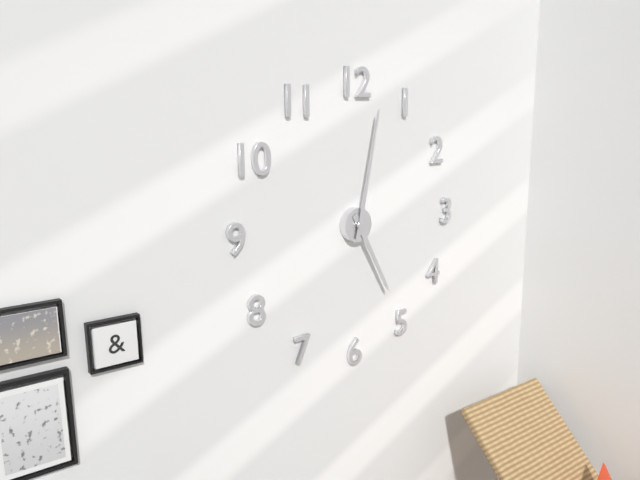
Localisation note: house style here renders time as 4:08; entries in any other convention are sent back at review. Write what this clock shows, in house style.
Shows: 5:02
